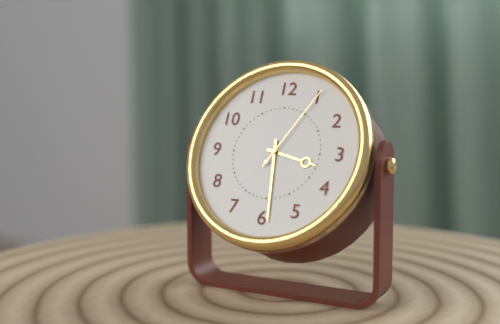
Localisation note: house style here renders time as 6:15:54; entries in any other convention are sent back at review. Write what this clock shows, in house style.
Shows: 3:29:05
